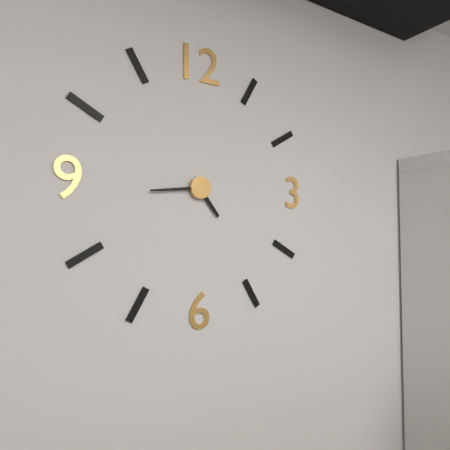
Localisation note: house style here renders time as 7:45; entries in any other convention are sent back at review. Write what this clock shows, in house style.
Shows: 4:44
